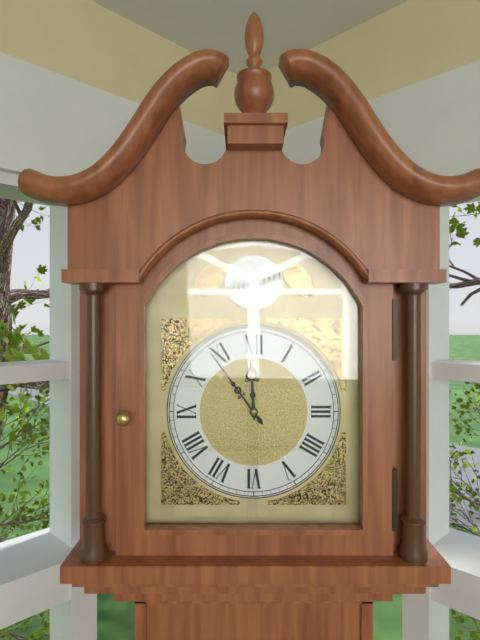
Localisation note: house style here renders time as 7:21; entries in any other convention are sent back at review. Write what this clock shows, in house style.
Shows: 11:54
